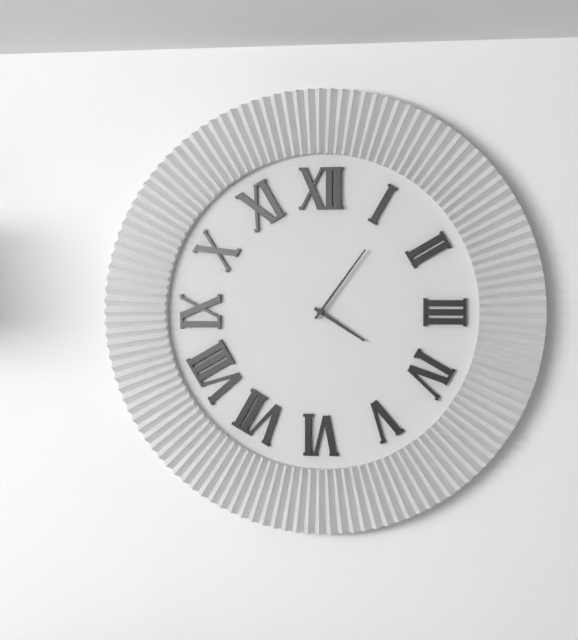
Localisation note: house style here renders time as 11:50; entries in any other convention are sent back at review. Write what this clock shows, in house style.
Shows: 4:06
